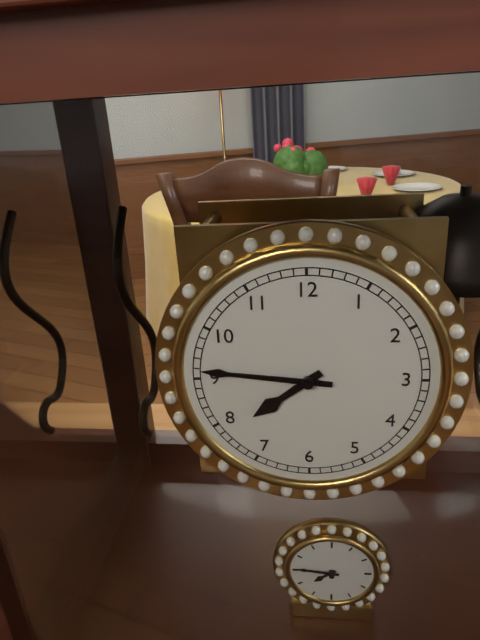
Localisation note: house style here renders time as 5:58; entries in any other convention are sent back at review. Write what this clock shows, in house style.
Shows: 7:46
